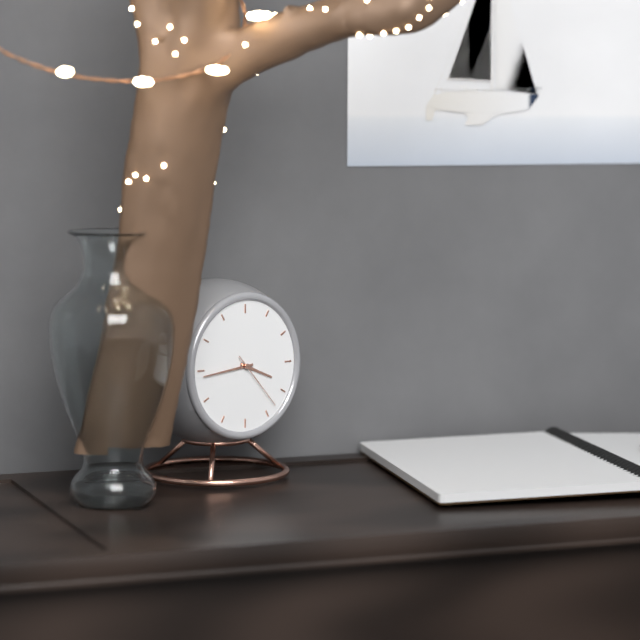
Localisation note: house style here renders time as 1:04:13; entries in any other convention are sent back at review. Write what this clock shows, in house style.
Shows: 3:44:23
